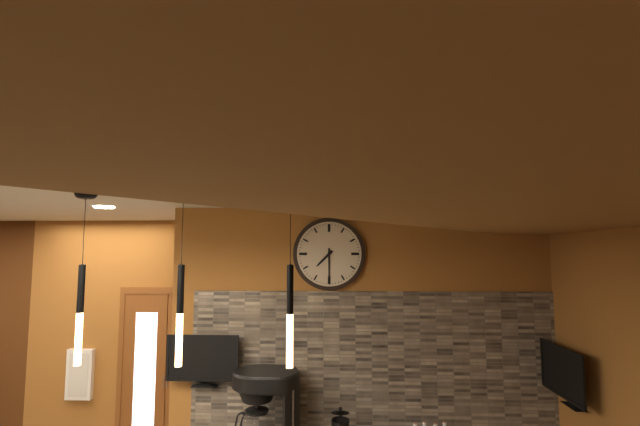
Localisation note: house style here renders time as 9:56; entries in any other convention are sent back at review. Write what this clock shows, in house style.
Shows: 7:30
